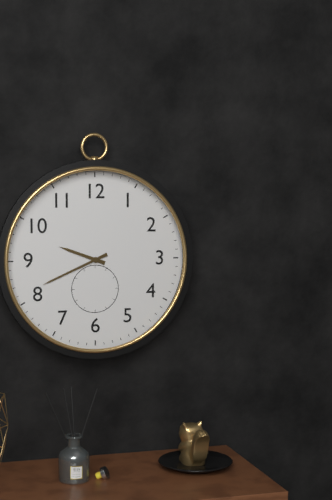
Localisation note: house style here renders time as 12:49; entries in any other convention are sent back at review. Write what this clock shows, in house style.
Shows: 9:41
